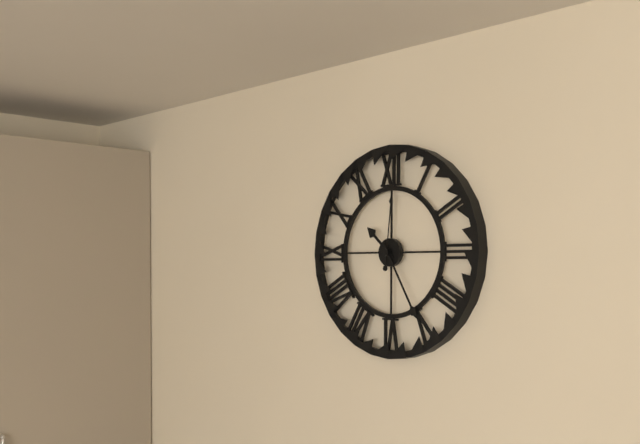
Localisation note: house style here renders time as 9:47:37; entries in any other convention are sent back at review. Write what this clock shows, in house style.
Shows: 10:25:01
